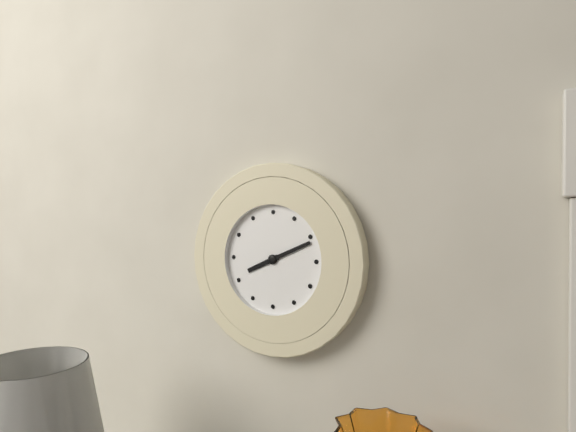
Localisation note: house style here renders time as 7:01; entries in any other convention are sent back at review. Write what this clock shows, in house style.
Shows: 8:11
